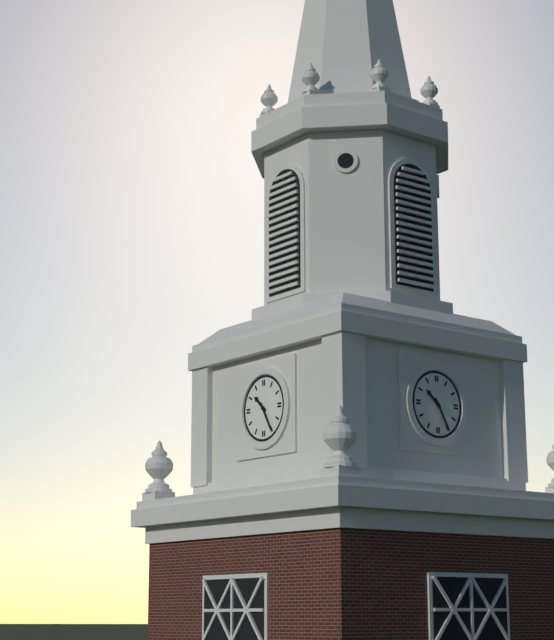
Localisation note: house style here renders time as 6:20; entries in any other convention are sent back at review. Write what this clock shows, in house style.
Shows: 10:25
